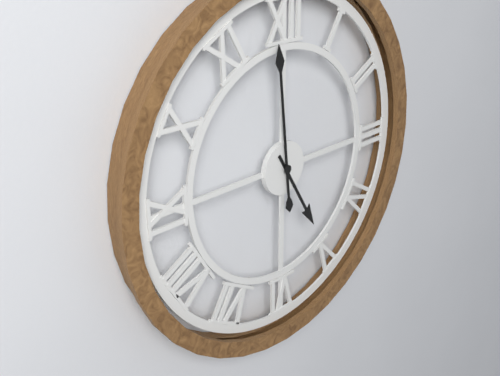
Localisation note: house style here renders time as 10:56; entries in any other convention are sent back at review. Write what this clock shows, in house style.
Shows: 4:59
